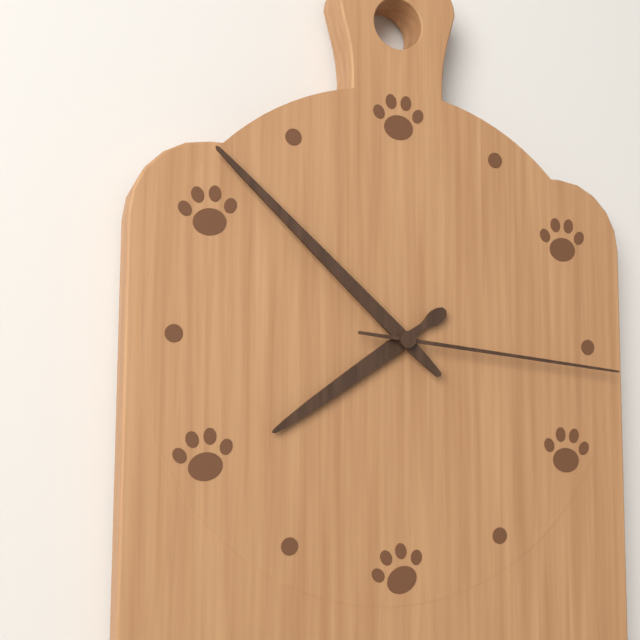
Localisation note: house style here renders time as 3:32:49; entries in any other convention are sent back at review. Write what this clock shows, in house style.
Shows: 7:52:16
